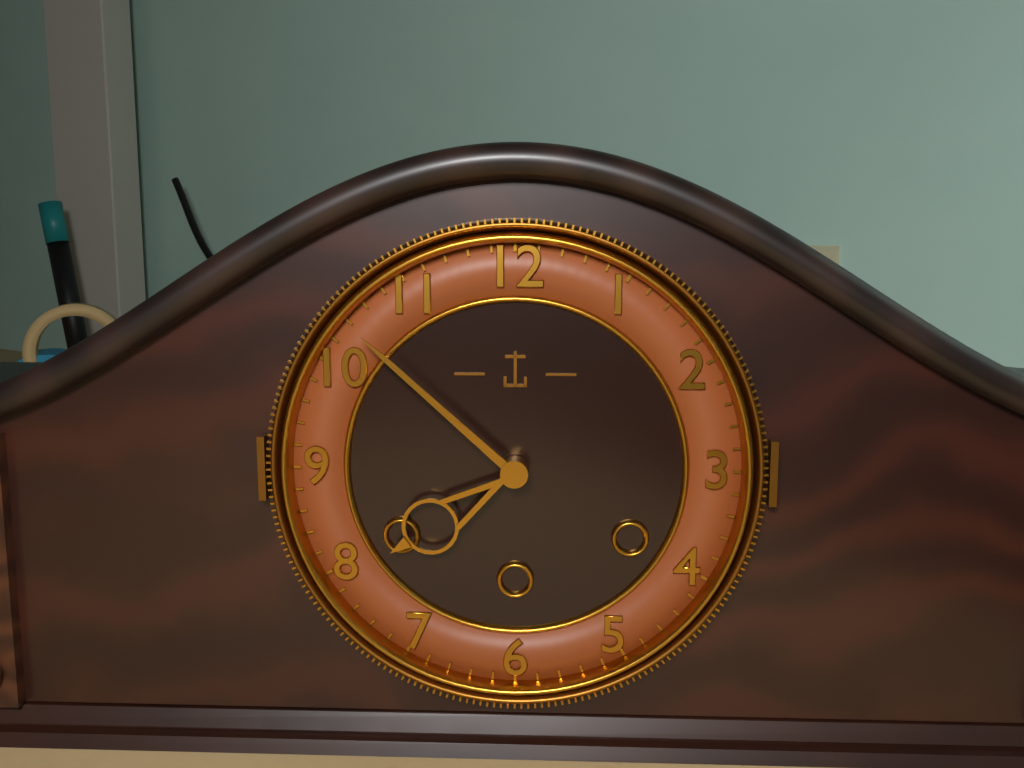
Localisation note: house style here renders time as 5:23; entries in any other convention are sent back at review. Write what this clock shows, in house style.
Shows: 7:52
